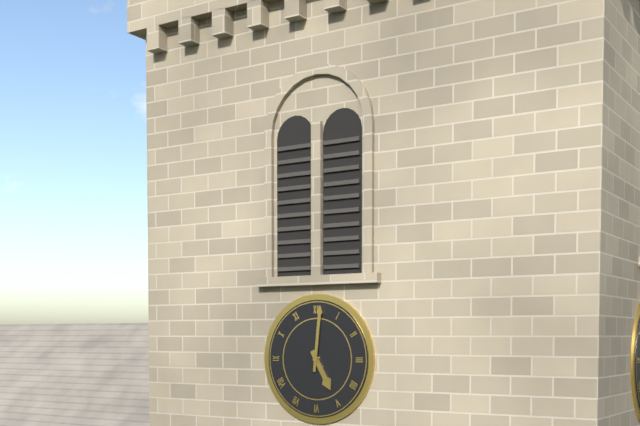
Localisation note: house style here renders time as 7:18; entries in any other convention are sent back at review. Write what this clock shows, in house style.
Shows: 5:01
